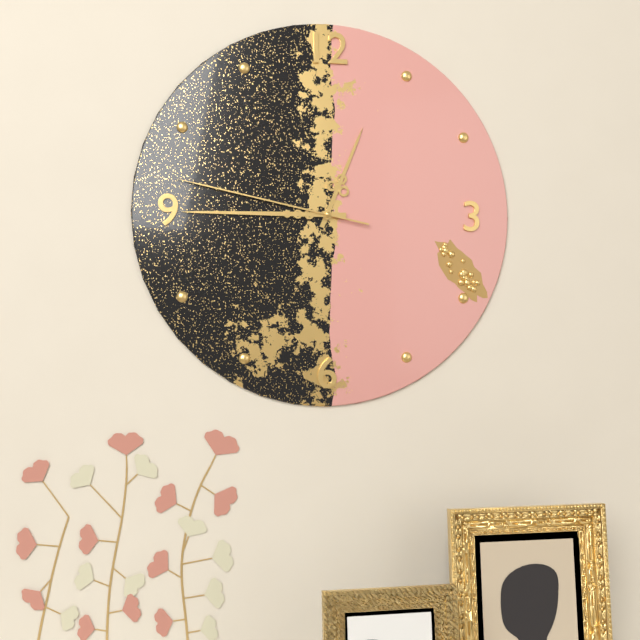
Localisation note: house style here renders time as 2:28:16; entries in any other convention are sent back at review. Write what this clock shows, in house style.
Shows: 12:45:47
